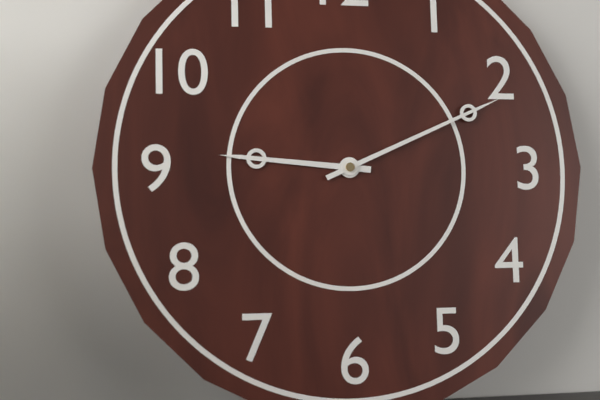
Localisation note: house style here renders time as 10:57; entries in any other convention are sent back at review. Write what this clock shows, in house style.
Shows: 9:11
